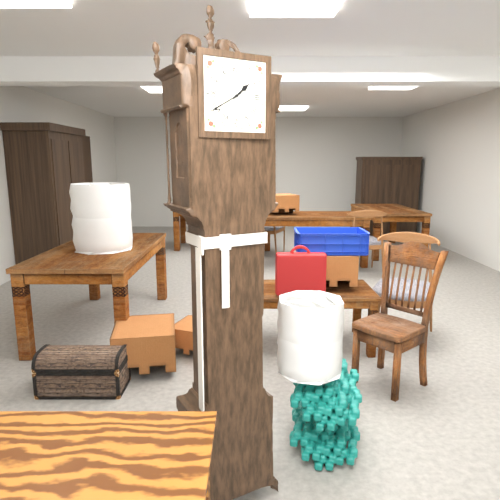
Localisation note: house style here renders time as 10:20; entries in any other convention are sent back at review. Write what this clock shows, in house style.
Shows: 1:40
